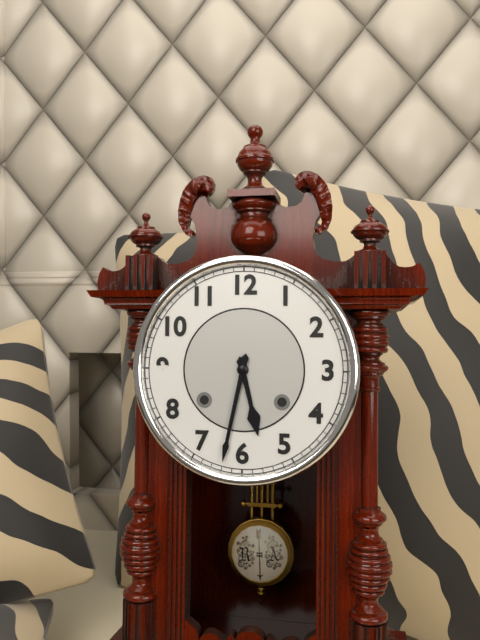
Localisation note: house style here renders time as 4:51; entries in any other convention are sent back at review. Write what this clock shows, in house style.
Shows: 5:32
